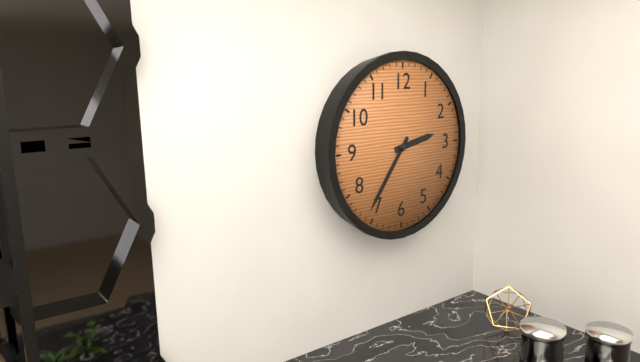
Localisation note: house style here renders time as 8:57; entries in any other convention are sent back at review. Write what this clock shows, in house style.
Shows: 2:36
